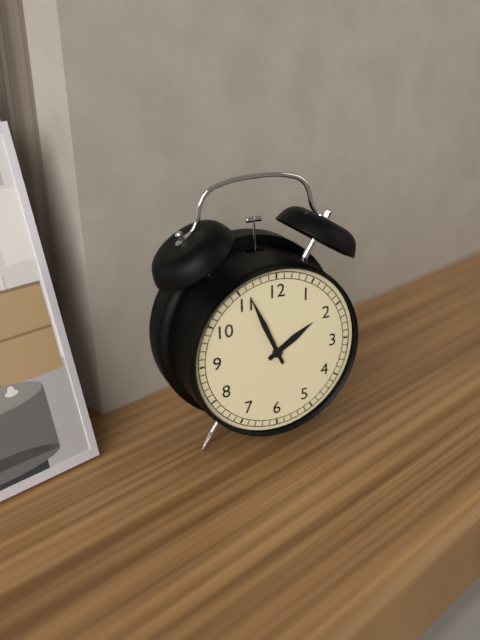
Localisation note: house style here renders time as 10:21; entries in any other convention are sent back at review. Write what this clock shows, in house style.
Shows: 1:56
